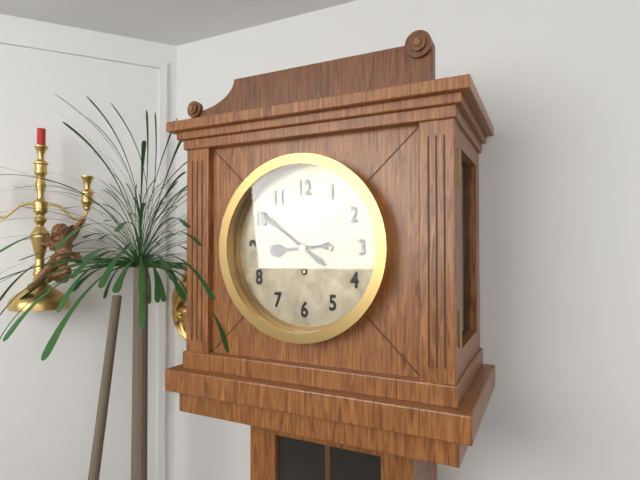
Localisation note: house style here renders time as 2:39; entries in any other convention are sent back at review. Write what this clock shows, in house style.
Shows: 8:51
